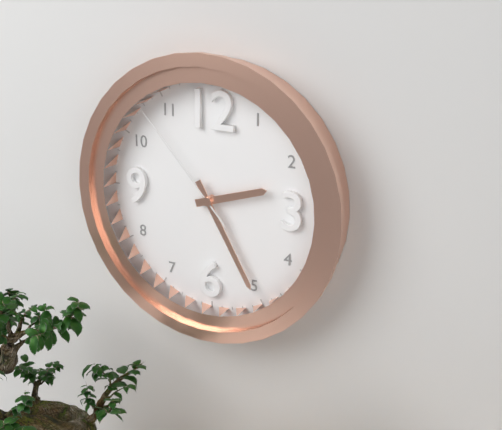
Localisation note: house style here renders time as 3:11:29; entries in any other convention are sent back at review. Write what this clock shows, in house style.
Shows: 2:25:53
